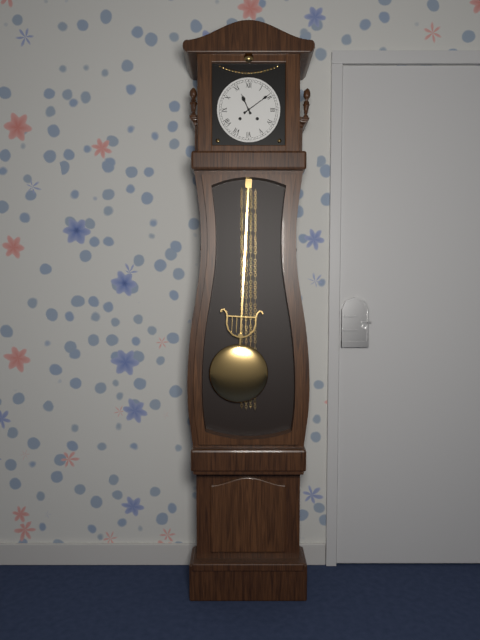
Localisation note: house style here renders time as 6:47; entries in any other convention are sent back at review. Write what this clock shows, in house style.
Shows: 11:09
